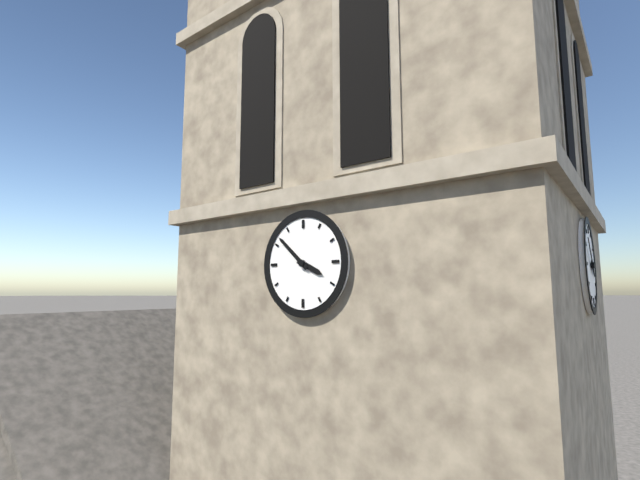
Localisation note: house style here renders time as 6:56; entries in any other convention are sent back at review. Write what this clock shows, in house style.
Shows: 3:52
